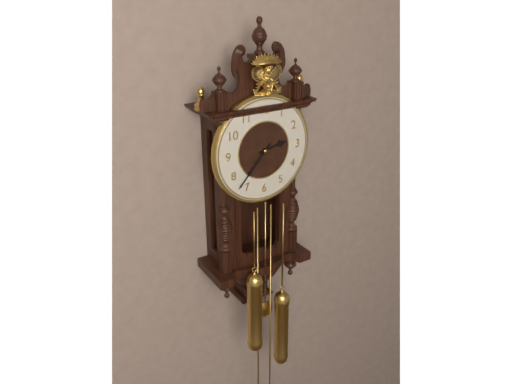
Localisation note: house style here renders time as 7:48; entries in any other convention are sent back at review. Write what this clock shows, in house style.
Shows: 2:37
